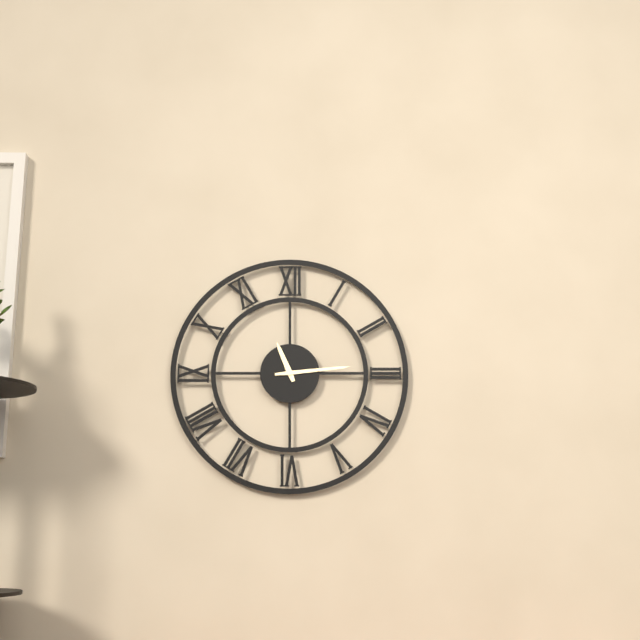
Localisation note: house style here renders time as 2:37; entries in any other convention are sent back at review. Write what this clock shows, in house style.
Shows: 11:14
